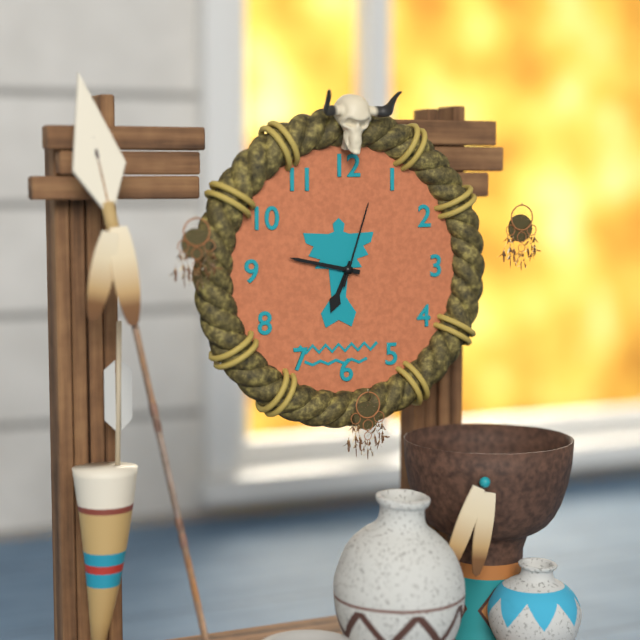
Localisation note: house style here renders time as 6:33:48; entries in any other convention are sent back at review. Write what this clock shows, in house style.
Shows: 6:47:03
